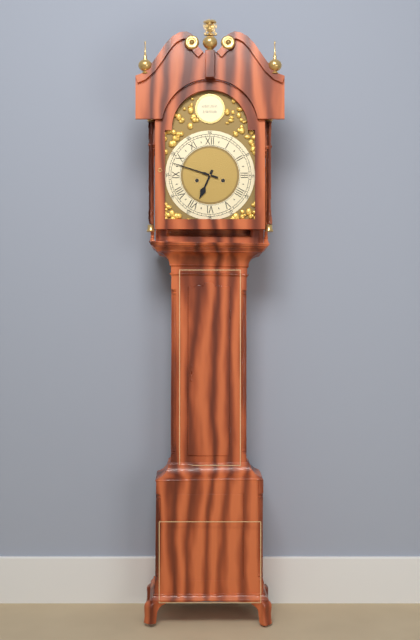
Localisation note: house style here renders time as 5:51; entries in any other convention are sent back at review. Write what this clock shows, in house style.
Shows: 6:48
